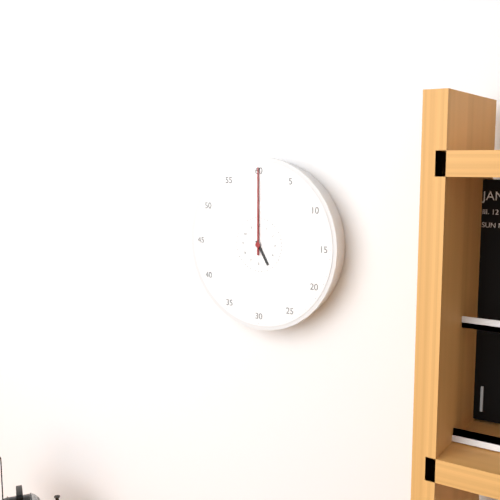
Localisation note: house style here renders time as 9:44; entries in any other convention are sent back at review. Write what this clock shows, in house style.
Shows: 5:00
